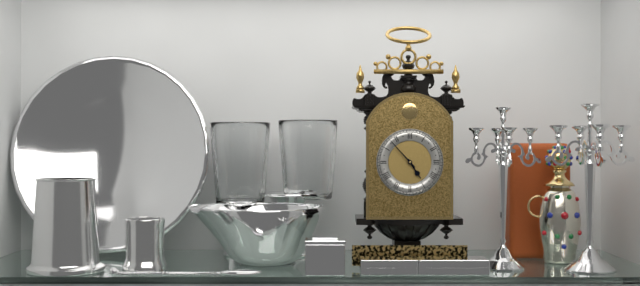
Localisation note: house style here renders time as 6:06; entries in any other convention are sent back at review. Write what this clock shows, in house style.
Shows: 4:53
